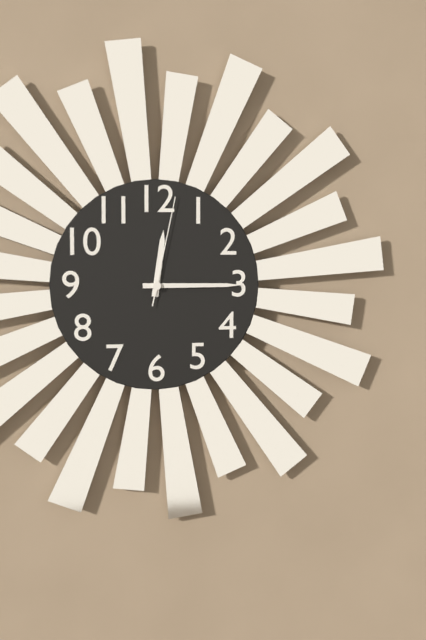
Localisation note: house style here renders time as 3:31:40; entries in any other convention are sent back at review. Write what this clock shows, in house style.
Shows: 12:15:02
